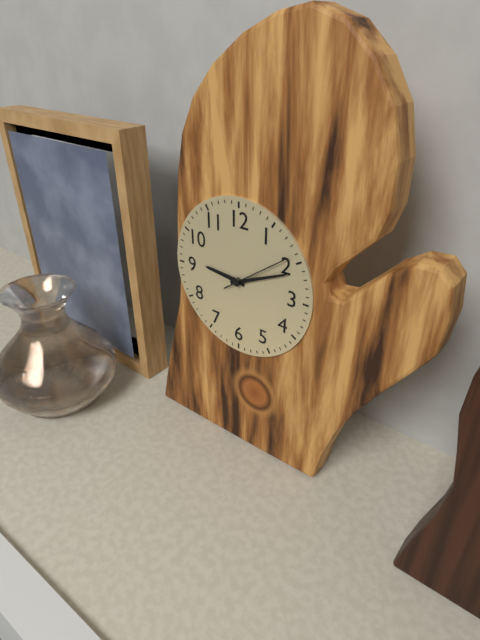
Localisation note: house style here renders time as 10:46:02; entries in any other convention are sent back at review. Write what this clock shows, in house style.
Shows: 9:11:09
